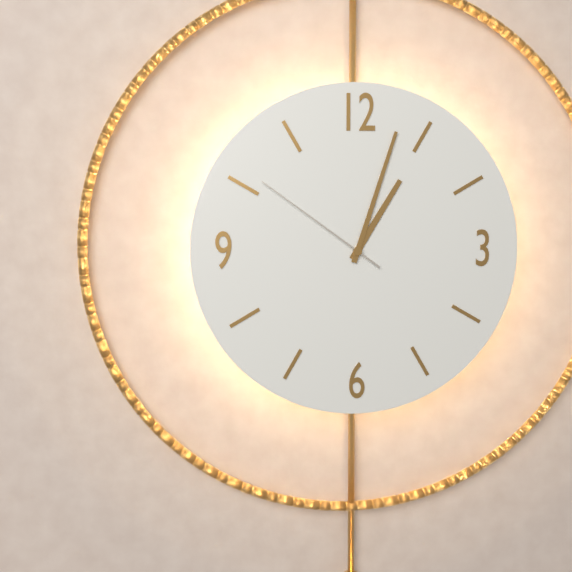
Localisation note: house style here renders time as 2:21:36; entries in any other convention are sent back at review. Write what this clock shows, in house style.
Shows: 1:03:51
